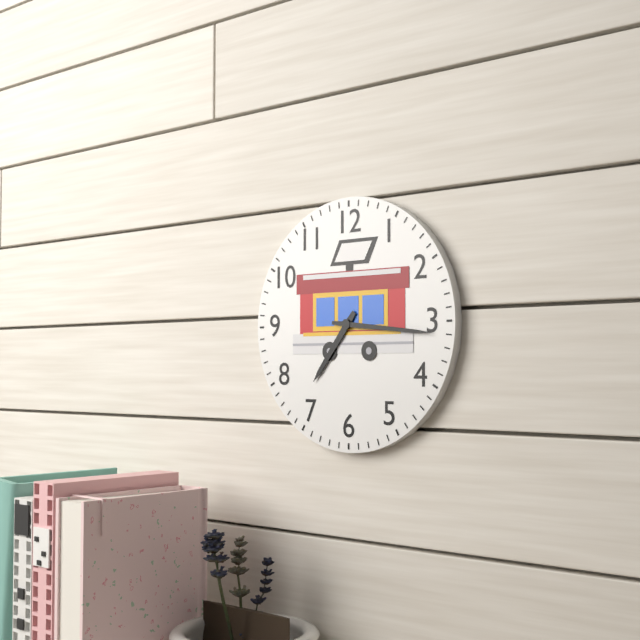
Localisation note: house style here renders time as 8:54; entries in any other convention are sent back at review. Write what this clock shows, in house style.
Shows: 7:16
